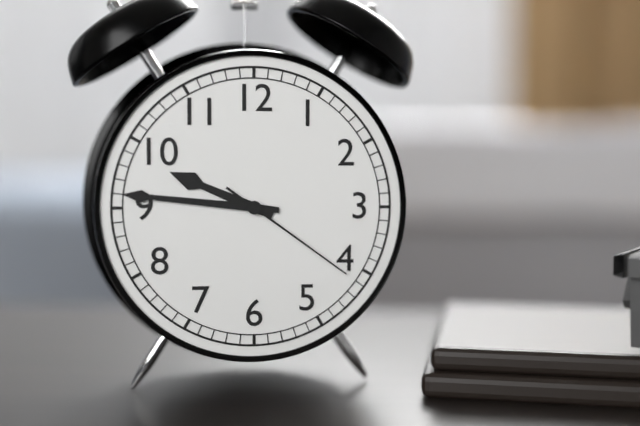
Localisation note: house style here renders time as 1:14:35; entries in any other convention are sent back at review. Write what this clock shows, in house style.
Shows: 9:46:21
